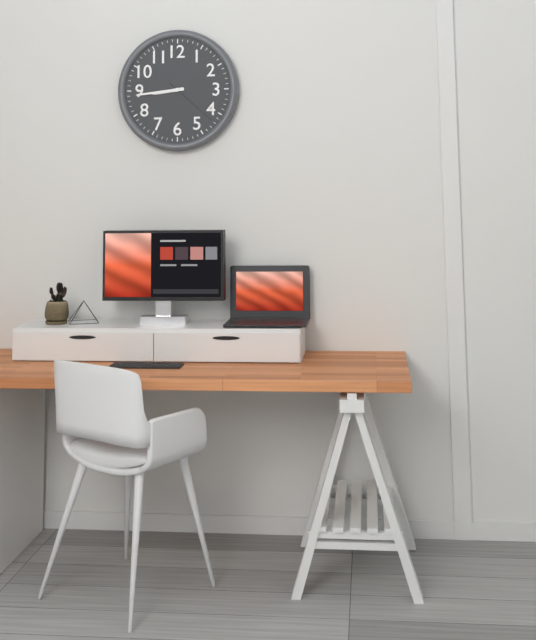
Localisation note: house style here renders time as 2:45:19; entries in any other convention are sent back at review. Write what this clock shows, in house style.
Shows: 8:44:22
